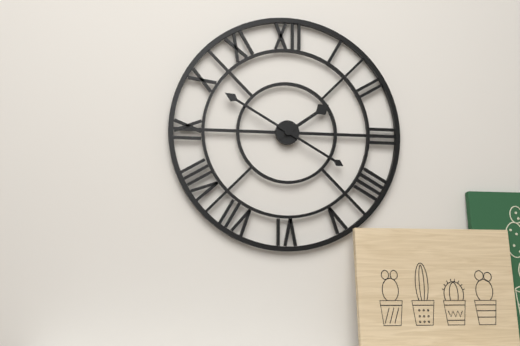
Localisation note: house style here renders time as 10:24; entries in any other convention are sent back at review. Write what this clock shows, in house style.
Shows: 1:50
